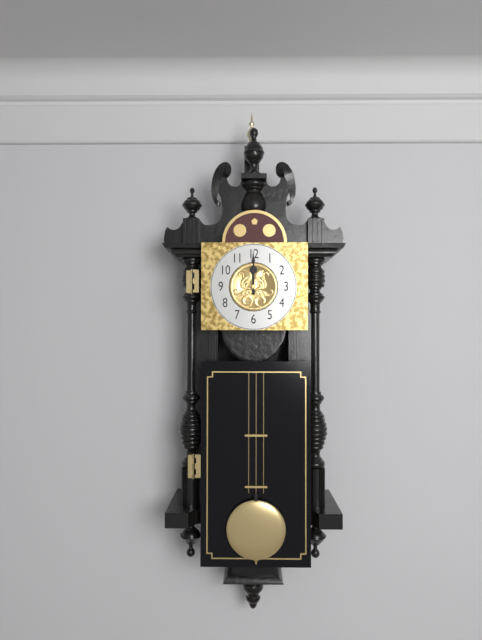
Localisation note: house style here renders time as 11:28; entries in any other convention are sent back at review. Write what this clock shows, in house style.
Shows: 12:00
